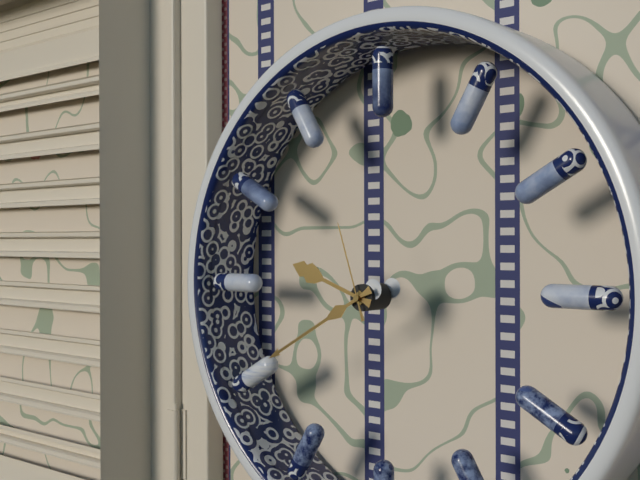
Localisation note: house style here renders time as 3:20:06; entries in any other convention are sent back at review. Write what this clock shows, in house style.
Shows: 9:40:57
